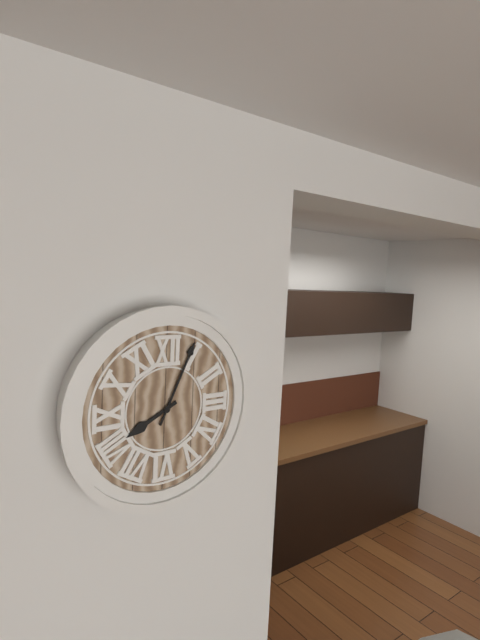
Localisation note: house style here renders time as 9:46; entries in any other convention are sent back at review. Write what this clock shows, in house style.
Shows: 8:04
